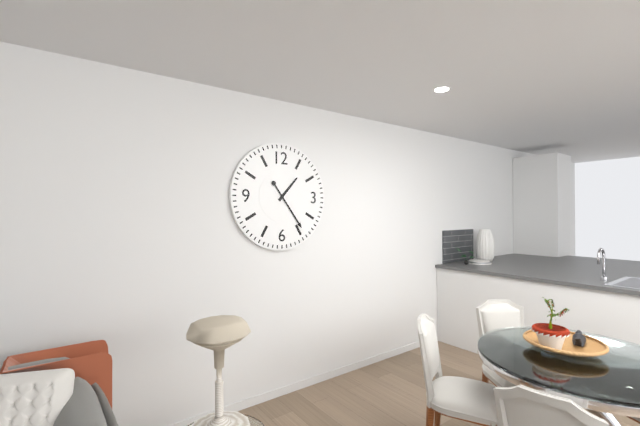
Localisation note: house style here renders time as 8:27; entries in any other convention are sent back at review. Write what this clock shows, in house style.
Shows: 1:24
